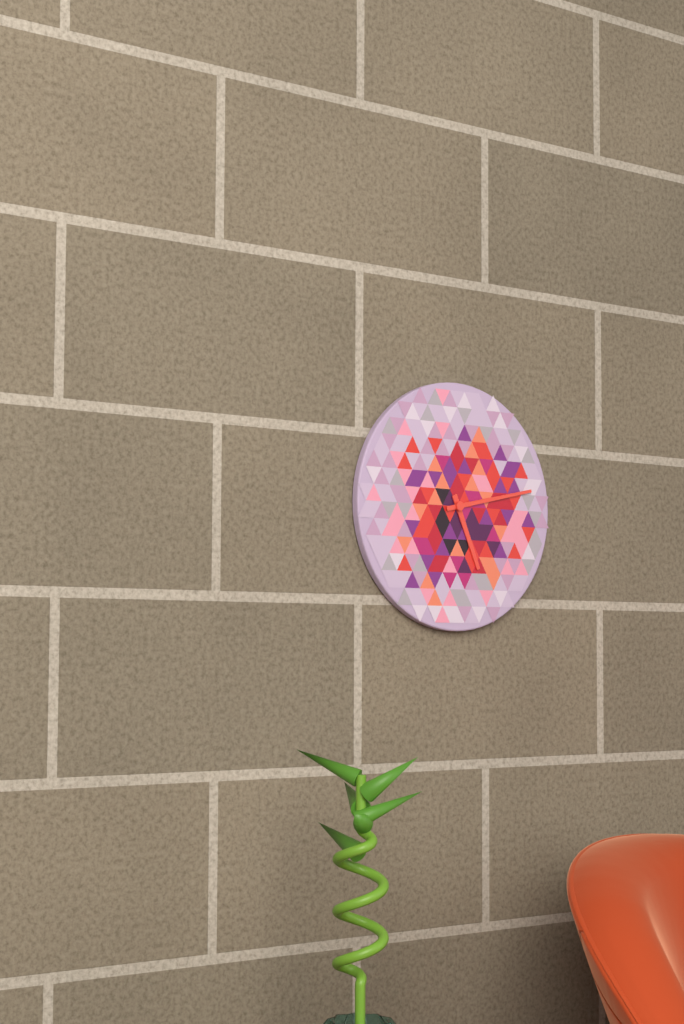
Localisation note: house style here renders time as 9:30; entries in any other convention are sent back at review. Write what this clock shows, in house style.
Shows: 5:13
